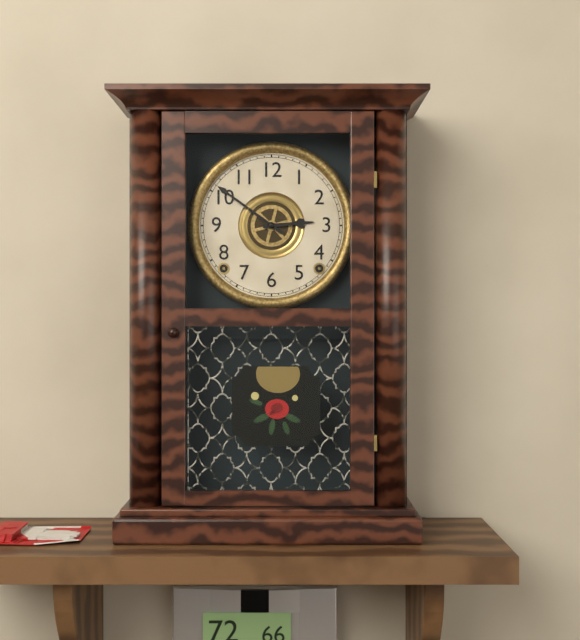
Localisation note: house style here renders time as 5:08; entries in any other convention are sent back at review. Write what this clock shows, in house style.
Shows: 2:51
